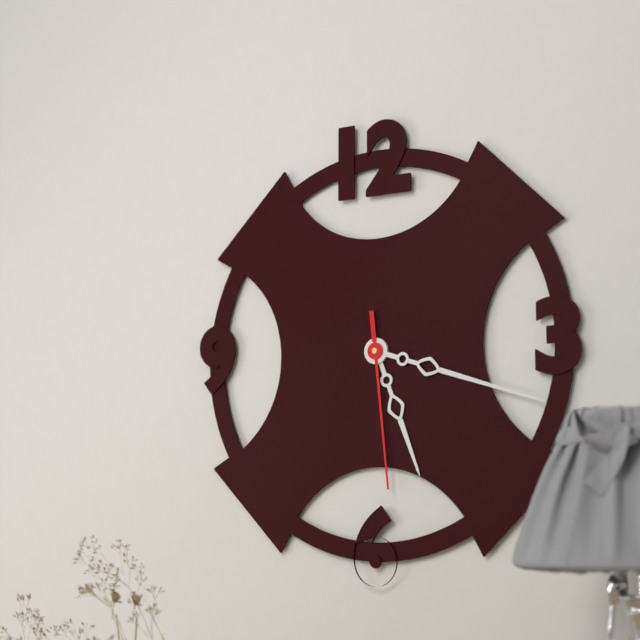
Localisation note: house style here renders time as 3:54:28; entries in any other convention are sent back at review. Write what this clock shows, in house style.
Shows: 5:18:29
